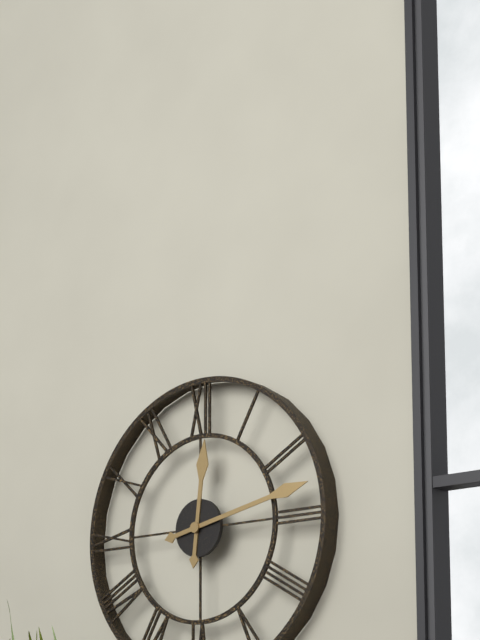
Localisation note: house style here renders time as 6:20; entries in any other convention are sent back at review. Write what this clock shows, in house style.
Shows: 12:13
